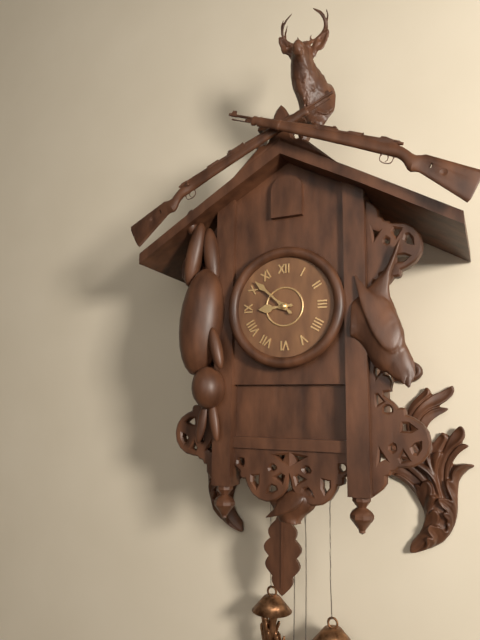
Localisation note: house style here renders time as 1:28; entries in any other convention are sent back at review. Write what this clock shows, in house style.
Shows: 8:52
